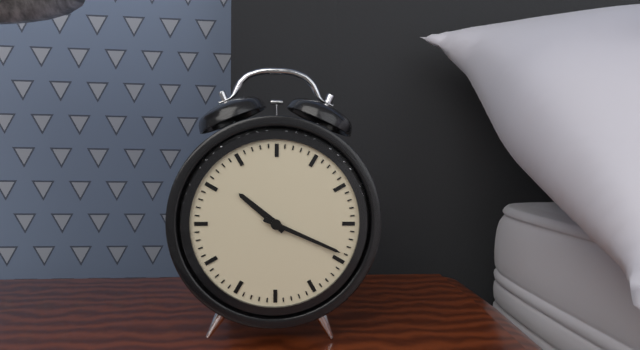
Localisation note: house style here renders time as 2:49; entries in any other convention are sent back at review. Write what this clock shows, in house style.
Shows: 10:19
